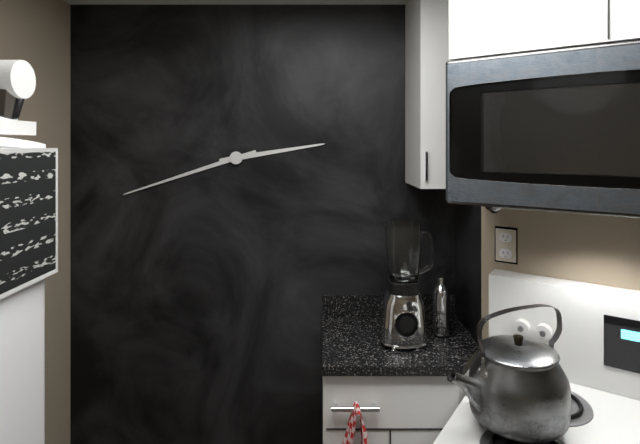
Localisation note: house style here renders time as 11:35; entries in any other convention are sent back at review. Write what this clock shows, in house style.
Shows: 2:42
